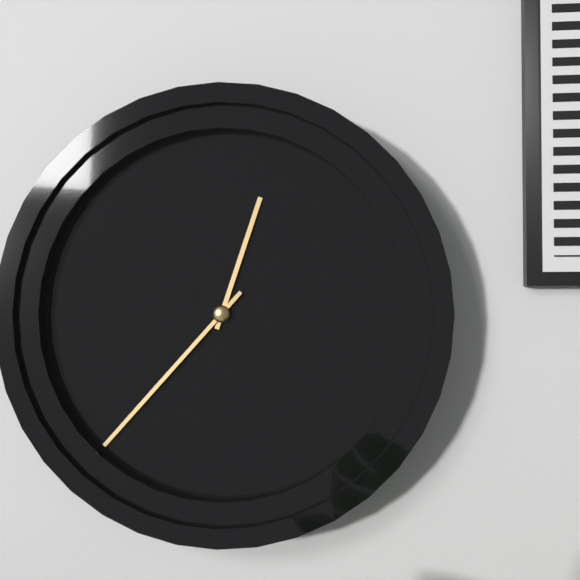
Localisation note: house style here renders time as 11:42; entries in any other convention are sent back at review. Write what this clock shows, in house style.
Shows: 12:37
